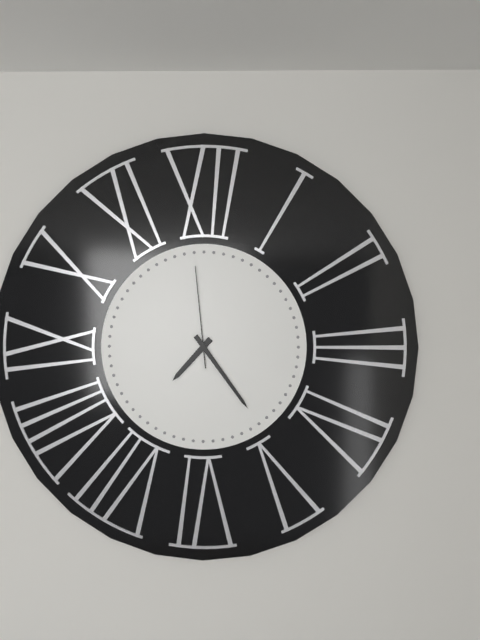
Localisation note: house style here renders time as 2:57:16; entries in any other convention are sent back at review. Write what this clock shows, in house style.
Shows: 7:24:59
